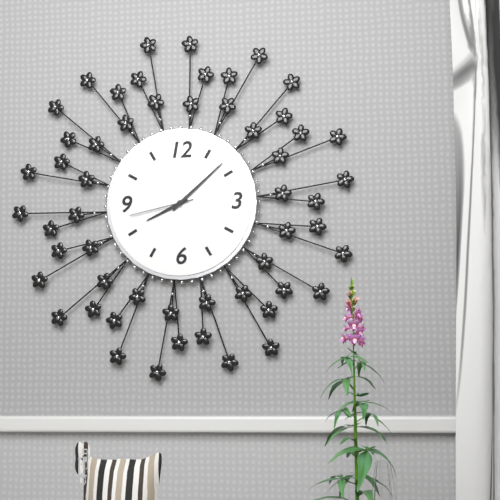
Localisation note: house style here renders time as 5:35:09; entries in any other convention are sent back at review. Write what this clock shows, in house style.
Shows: 8:08:43
